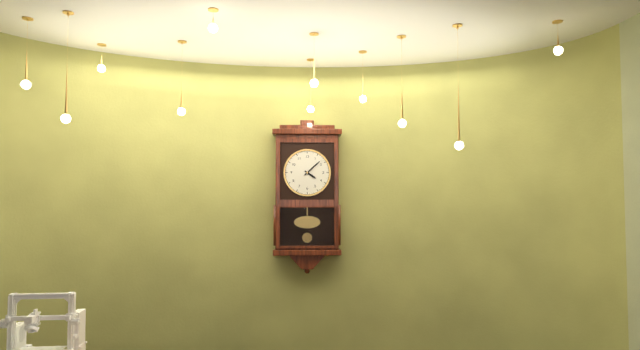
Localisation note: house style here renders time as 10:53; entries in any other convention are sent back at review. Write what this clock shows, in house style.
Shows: 4:08
